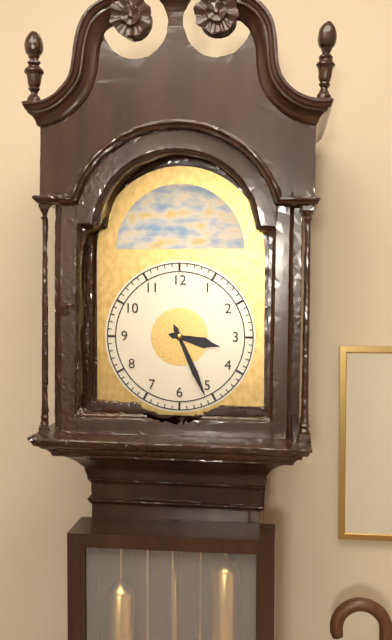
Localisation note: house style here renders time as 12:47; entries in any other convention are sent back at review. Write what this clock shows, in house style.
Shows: 3:26
